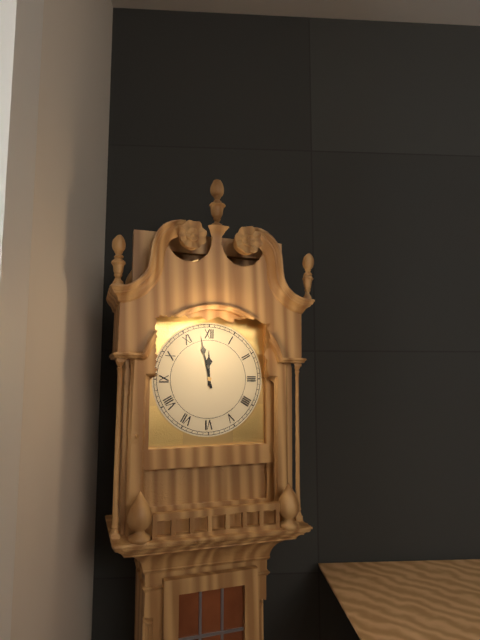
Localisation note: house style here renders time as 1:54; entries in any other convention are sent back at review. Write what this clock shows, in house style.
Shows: 11:58
